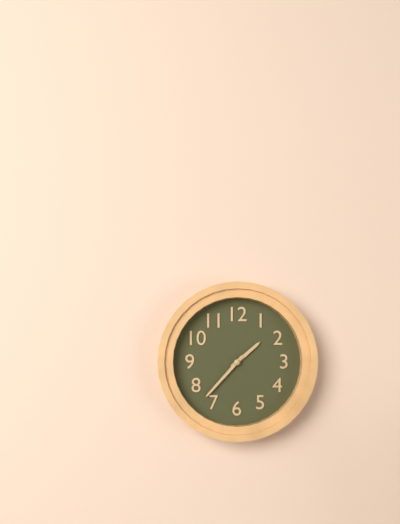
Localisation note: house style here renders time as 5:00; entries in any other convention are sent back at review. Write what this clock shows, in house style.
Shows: 1:37
